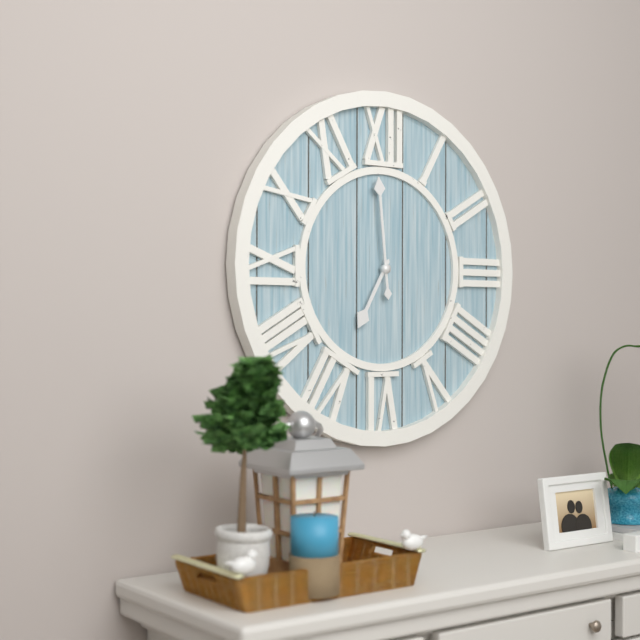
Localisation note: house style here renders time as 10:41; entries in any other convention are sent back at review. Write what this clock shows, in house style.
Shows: 6:59
